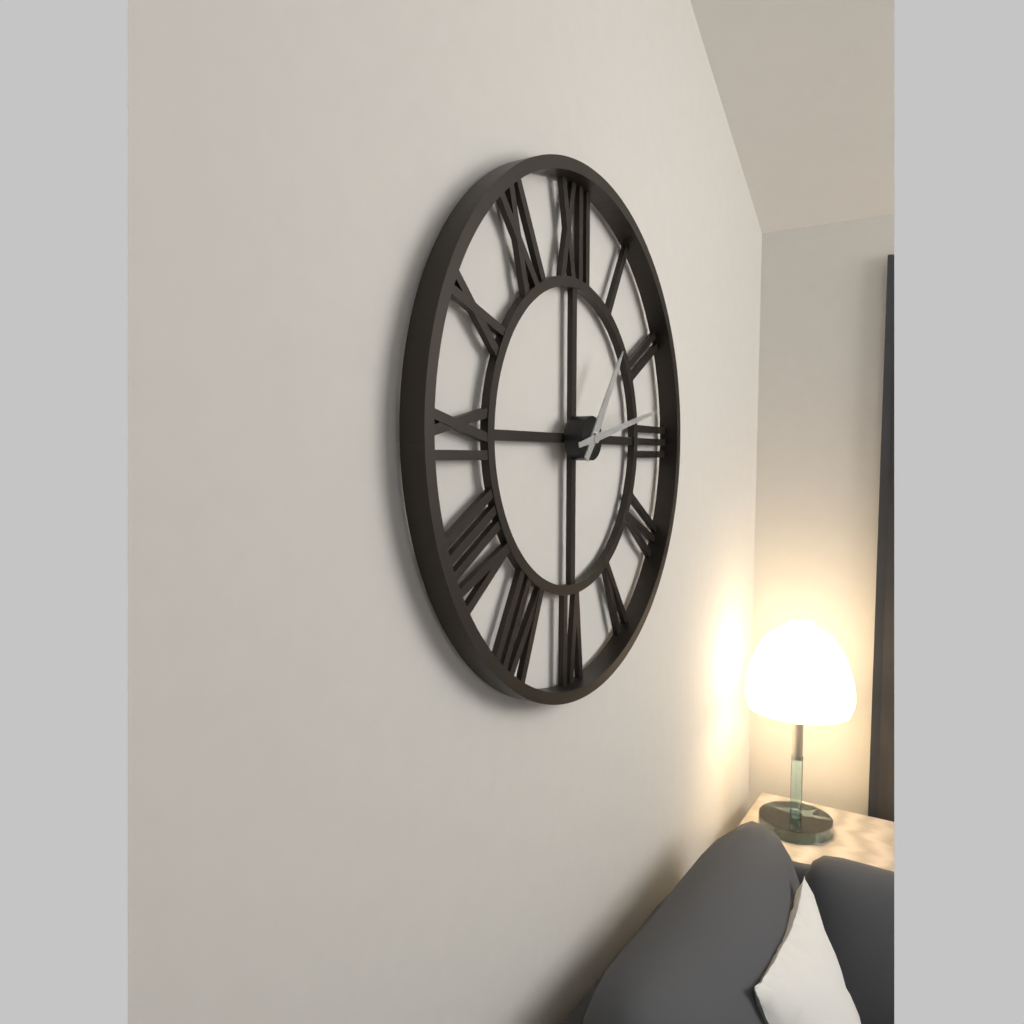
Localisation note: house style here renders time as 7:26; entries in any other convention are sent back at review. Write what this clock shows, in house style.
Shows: 1:13
